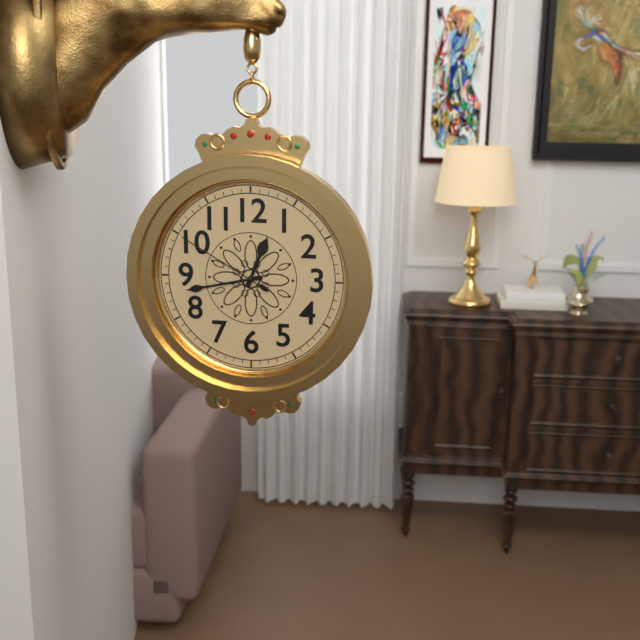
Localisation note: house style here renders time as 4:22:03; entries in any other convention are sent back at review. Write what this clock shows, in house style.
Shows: 12:43:50
